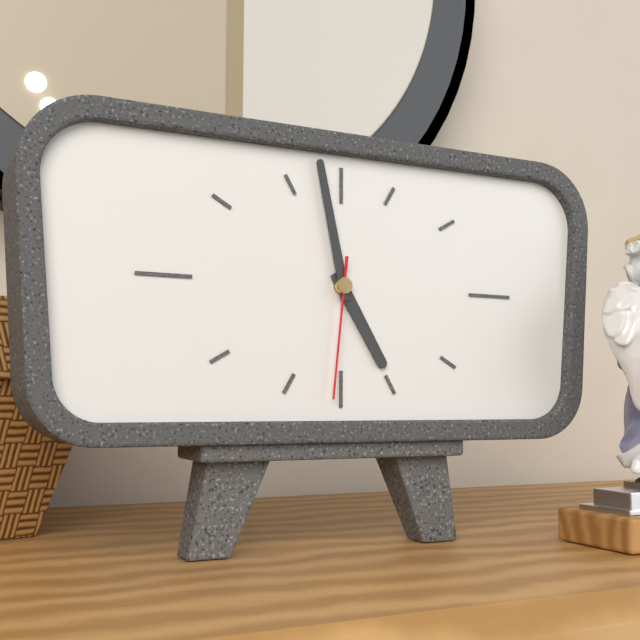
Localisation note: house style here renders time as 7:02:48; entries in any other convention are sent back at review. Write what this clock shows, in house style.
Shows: 4:58:31
